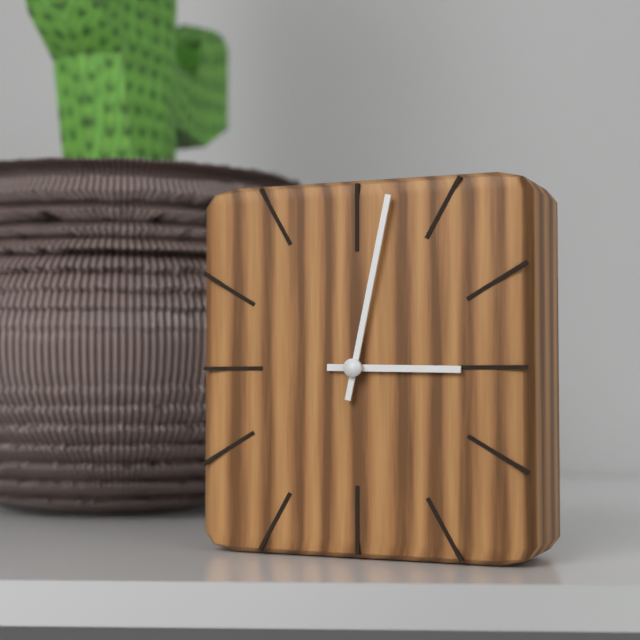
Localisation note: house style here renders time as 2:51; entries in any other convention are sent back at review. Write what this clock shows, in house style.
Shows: 3:02
